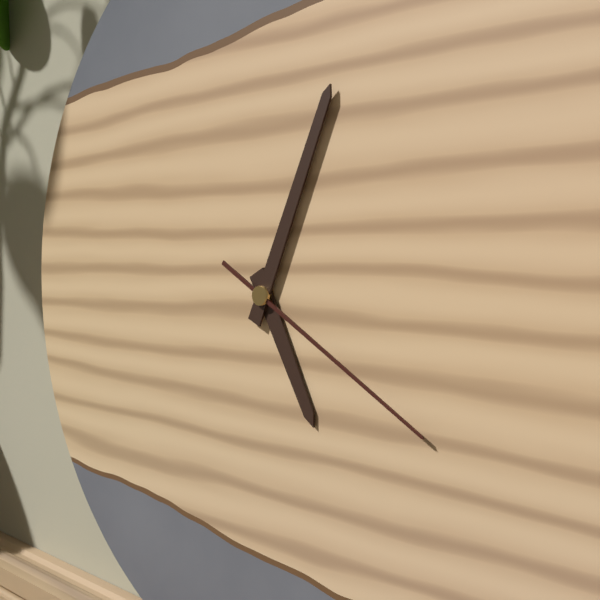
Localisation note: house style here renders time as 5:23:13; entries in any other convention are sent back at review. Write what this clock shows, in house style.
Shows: 5:04:20
